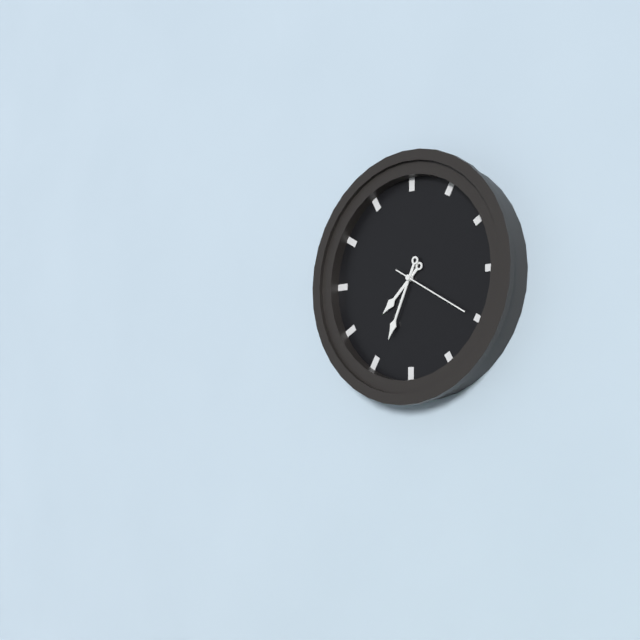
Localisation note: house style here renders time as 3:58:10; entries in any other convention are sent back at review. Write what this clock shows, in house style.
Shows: 7:34:20
